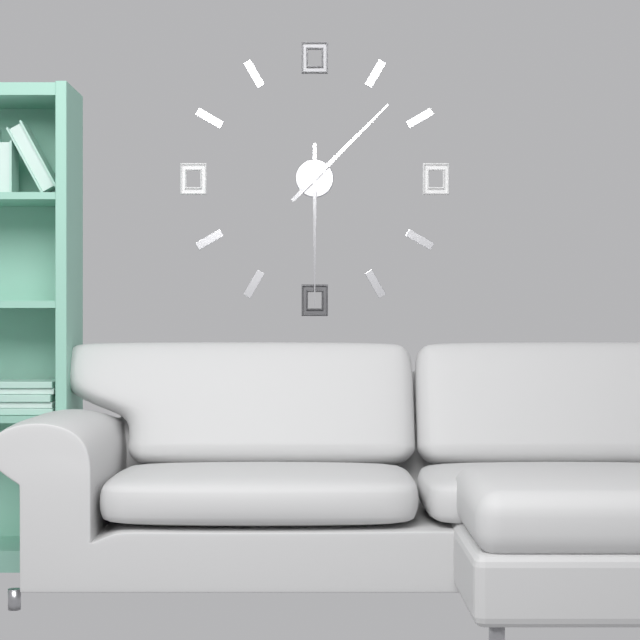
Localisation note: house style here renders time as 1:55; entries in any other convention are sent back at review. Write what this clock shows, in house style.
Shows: 1:30
